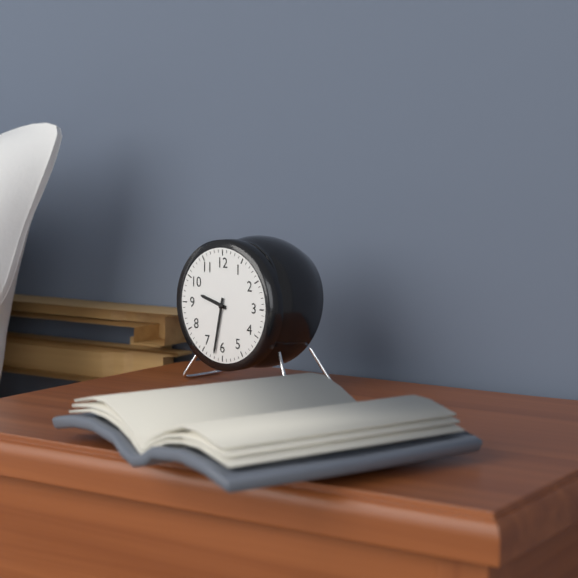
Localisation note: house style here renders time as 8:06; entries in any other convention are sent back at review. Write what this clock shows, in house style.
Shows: 9:32
